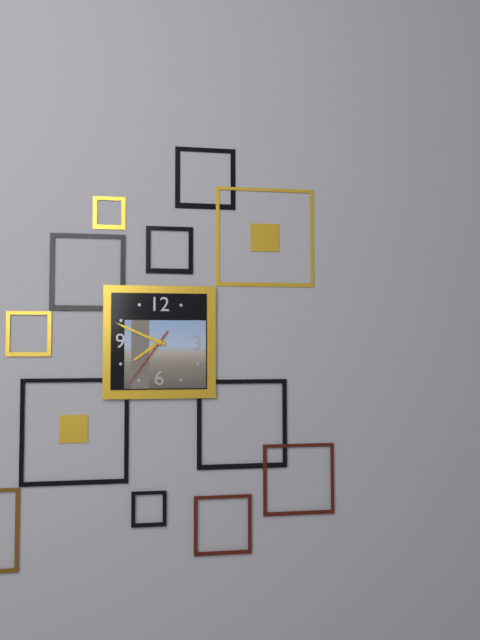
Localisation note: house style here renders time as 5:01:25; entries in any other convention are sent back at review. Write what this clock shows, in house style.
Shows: 7:49:36
